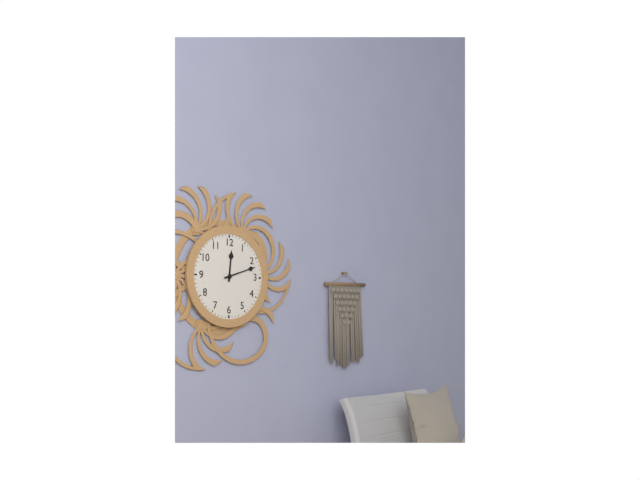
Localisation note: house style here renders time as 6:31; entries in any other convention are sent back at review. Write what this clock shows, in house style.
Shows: 12:12
